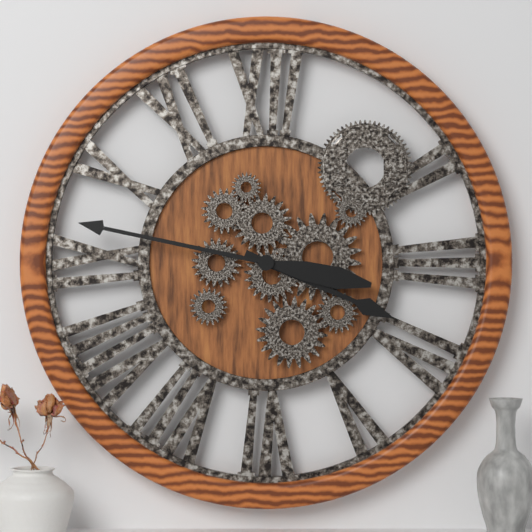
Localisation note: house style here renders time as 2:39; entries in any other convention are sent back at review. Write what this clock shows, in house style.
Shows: 3:47
